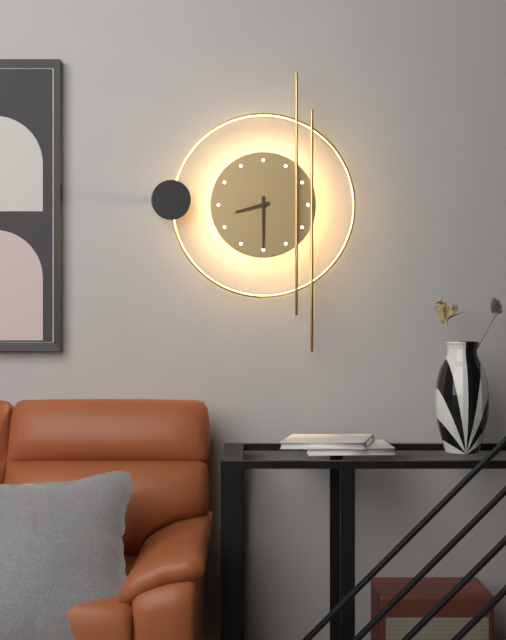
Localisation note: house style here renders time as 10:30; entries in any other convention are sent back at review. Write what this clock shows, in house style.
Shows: 8:30
